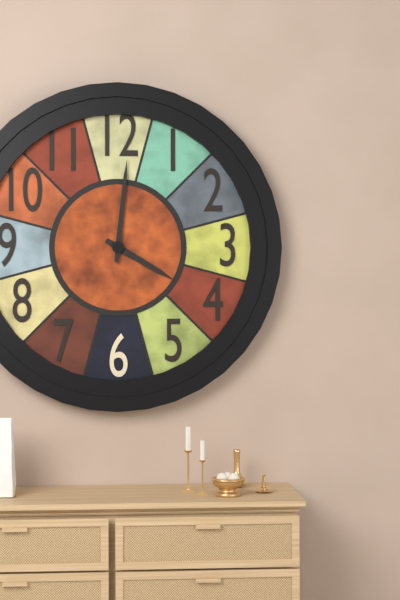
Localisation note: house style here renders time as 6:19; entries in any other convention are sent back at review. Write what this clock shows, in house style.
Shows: 4:01
